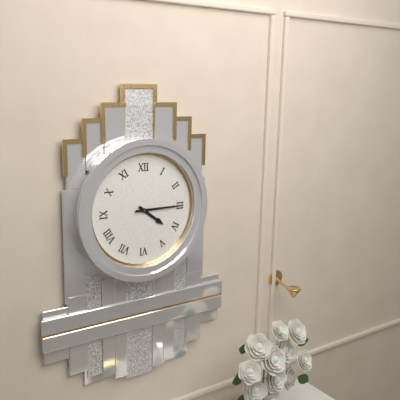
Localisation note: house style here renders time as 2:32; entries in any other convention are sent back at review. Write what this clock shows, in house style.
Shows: 4:15
